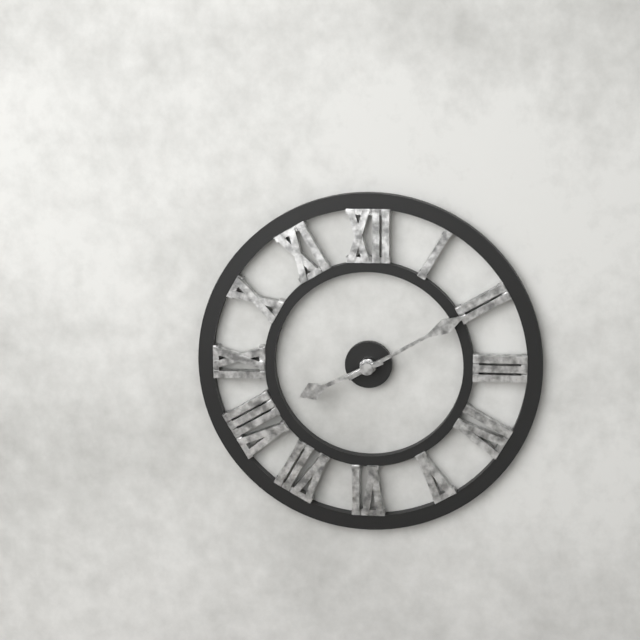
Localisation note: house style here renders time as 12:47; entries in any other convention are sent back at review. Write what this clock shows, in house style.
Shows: 8:10
